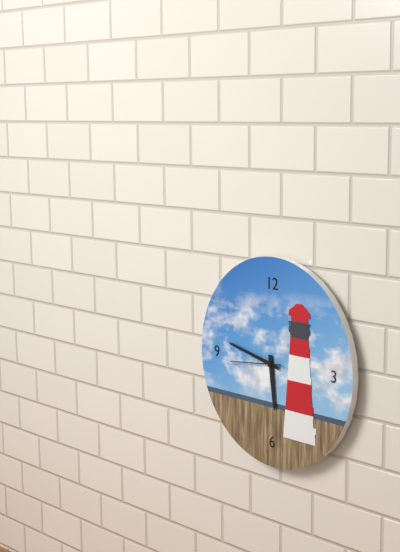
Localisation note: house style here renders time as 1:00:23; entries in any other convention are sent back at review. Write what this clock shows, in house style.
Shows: 5:47:44
